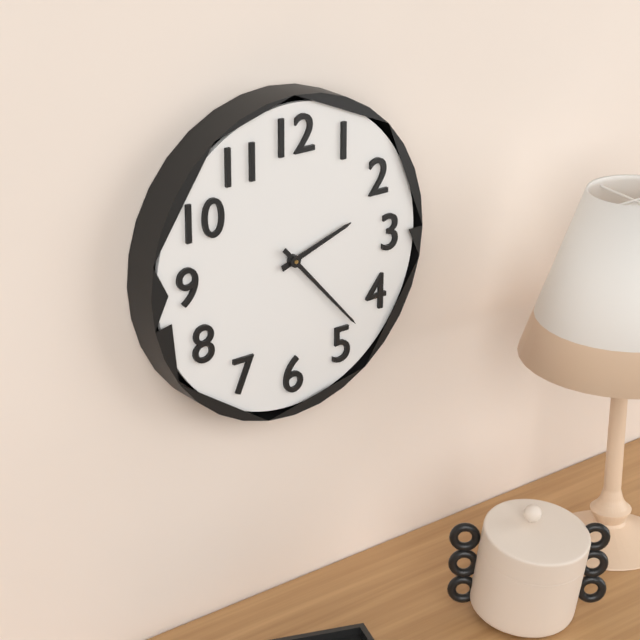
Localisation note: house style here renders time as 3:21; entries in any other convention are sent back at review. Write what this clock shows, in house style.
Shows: 2:23
